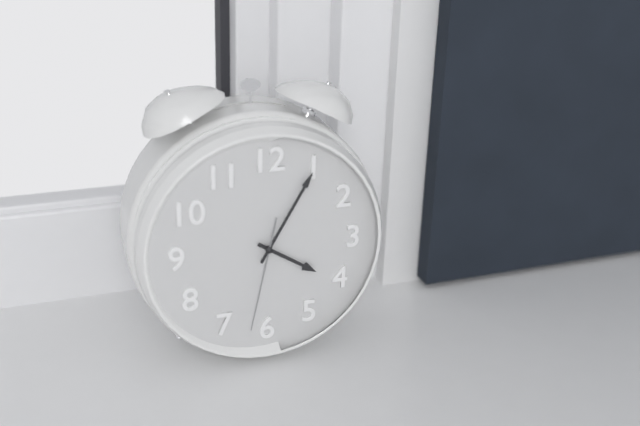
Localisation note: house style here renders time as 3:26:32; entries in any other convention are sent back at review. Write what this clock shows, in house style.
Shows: 4:05:32
